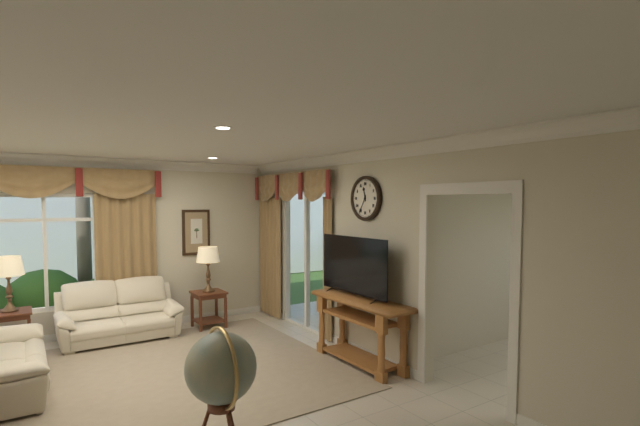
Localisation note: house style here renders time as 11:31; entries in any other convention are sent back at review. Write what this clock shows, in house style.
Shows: 11:35
